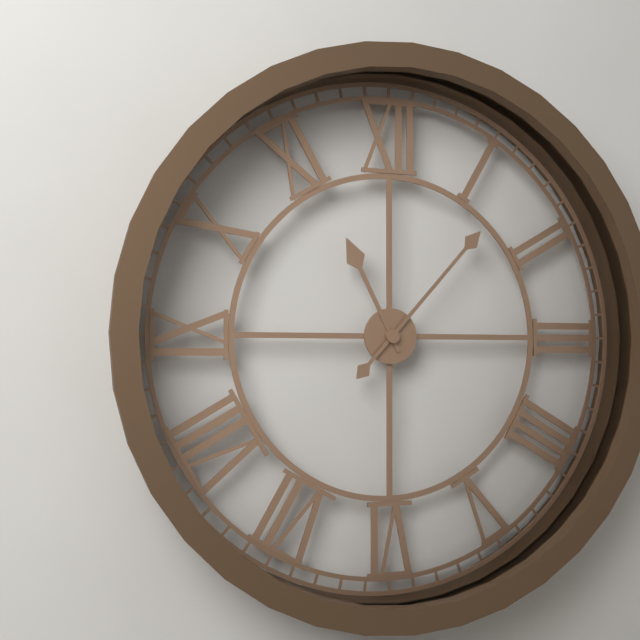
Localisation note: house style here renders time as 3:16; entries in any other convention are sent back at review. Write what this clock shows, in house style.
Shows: 11:07
